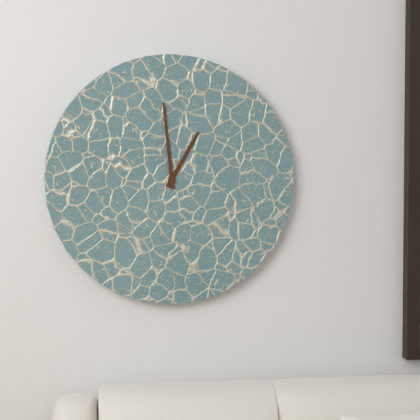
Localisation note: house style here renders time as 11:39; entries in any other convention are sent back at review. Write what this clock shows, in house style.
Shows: 12:59
